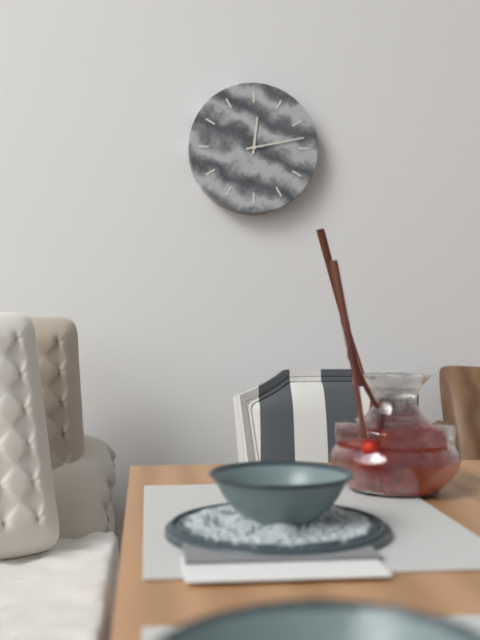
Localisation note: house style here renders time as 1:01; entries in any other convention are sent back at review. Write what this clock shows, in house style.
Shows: 12:13
